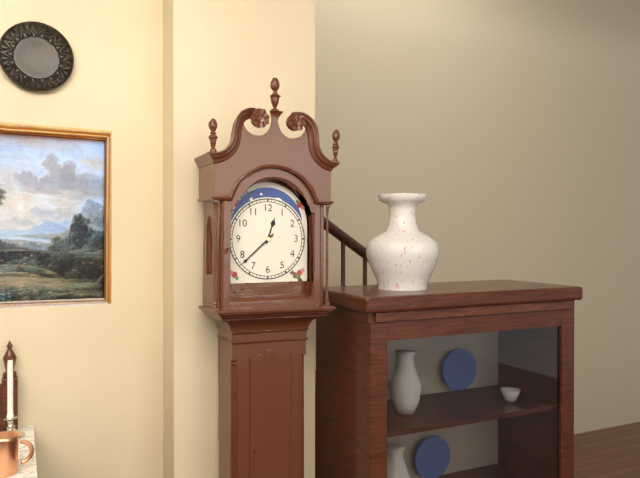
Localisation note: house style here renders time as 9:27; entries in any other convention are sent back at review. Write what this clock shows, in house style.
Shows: 12:38
